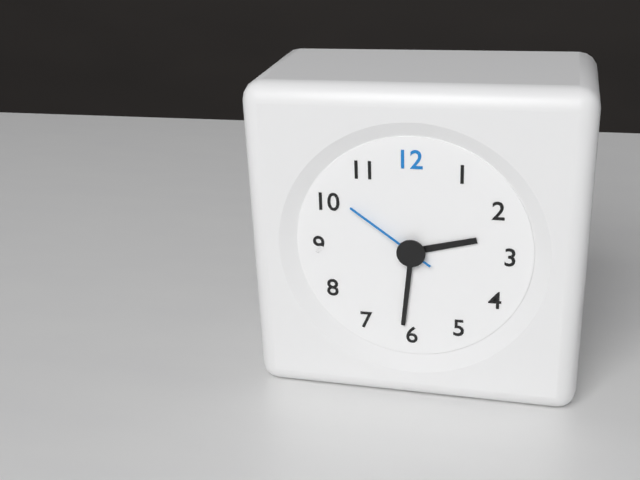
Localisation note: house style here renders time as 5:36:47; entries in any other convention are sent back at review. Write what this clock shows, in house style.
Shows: 2:31:51
